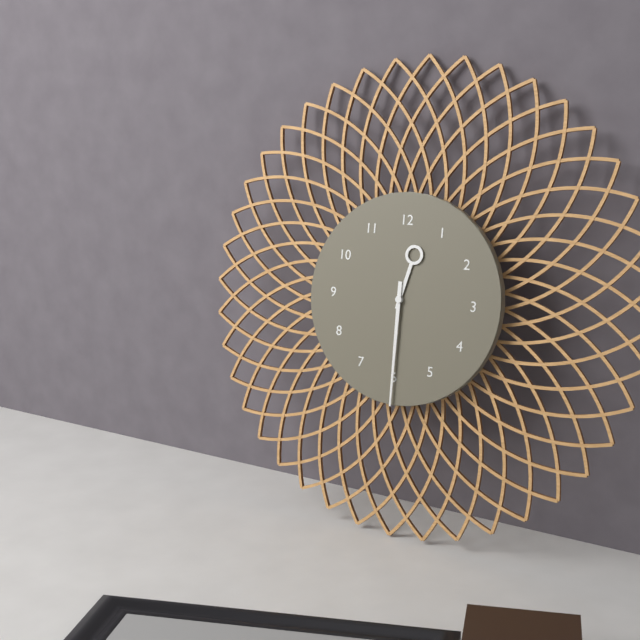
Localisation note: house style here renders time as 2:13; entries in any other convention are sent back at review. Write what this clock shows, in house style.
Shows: 12:30
